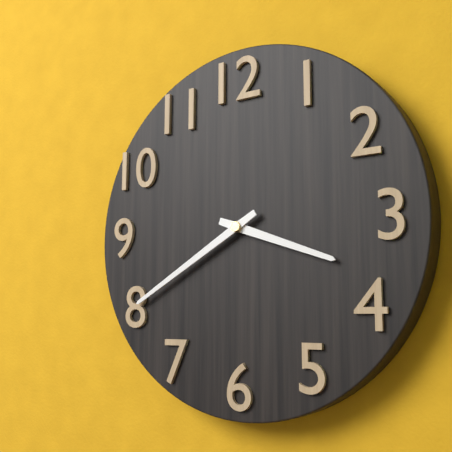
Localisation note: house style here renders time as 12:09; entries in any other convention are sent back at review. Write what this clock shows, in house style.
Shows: 3:40
